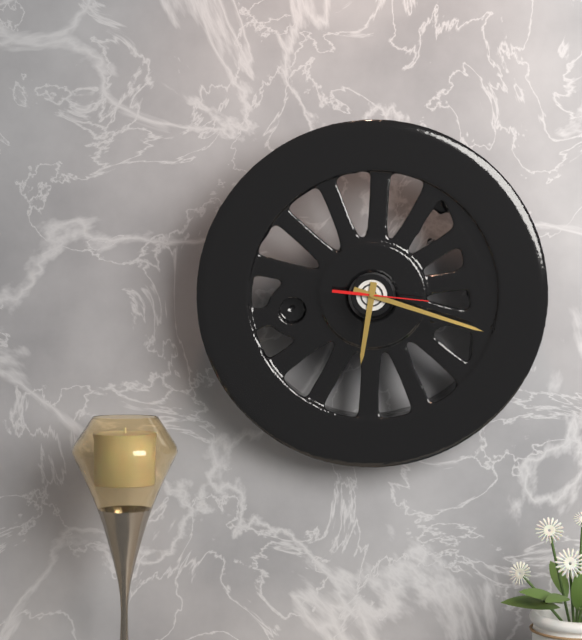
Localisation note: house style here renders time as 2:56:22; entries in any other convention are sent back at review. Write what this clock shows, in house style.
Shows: 6:18:16
